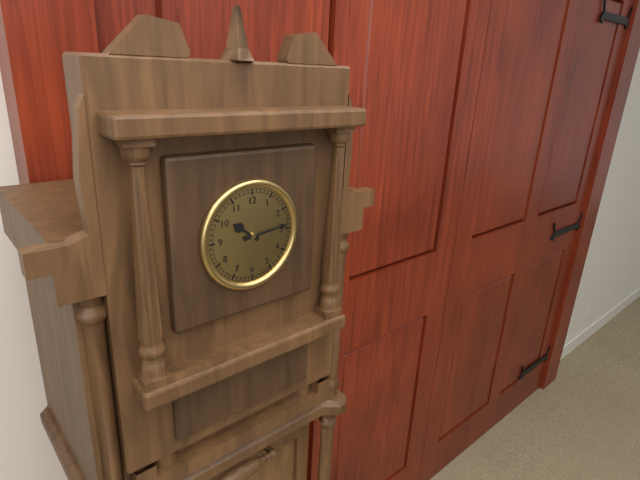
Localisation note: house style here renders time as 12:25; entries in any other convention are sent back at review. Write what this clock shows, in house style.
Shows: 10:14
